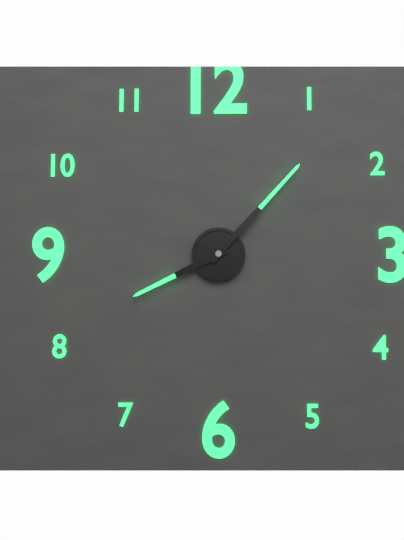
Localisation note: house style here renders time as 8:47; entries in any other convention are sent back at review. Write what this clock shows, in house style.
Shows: 8:07
